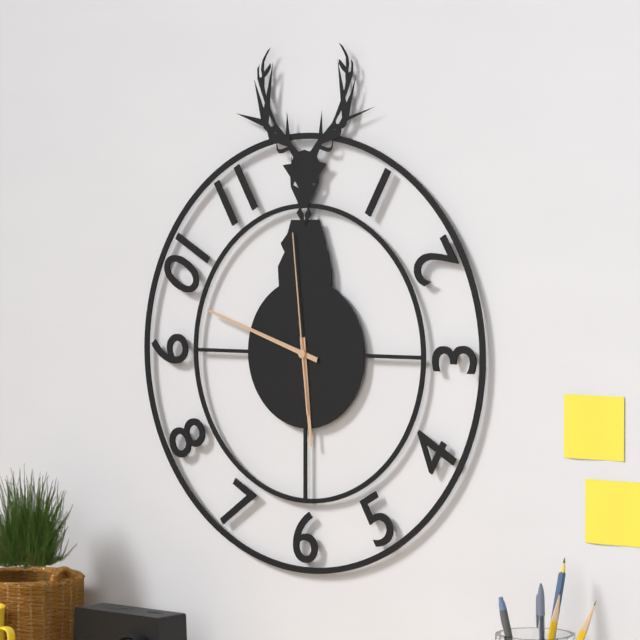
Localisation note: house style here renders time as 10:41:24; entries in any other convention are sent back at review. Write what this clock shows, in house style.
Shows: 5:48:59
